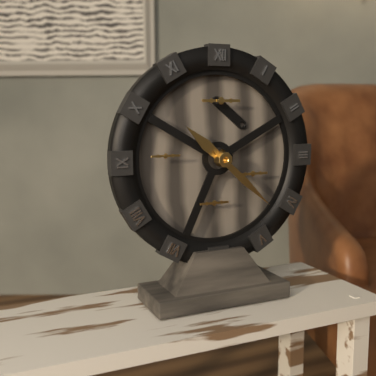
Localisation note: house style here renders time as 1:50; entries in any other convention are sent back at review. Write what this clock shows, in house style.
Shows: 10:22
